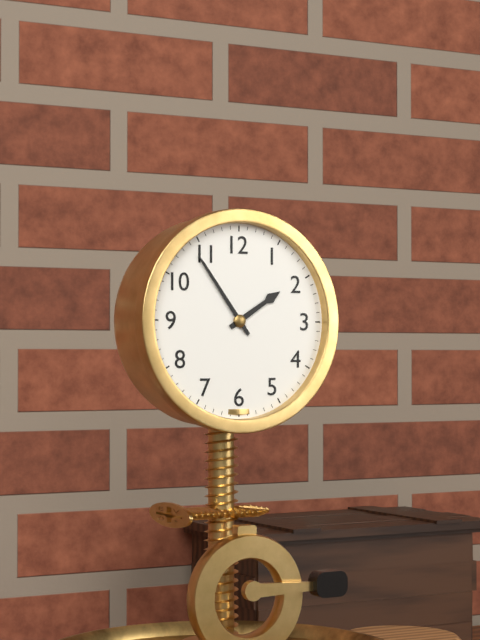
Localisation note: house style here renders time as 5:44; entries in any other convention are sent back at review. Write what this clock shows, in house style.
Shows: 1:54
